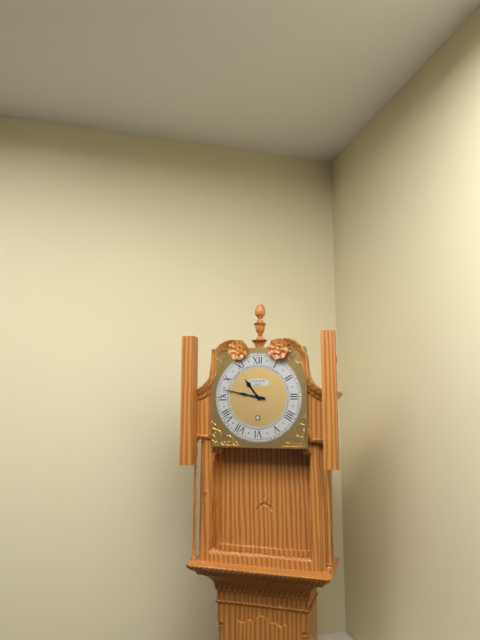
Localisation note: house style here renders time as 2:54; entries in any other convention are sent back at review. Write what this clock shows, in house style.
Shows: 10:47
